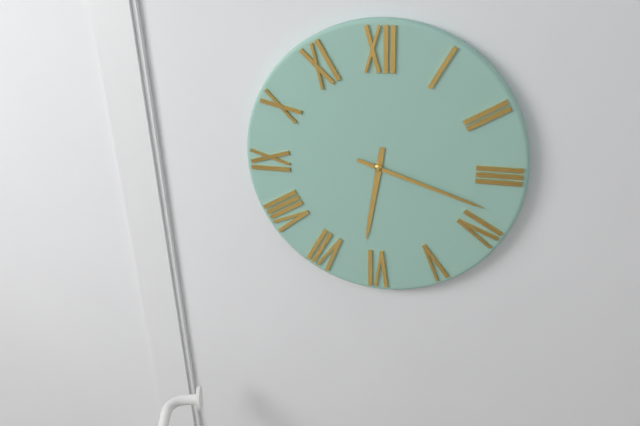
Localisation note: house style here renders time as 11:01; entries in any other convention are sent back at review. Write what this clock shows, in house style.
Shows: 6:18
